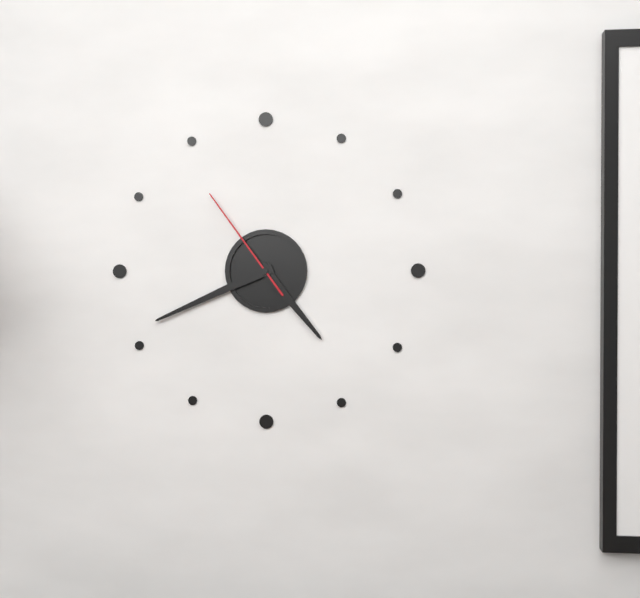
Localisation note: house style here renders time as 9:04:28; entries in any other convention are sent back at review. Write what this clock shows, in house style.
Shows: 4:41:54
